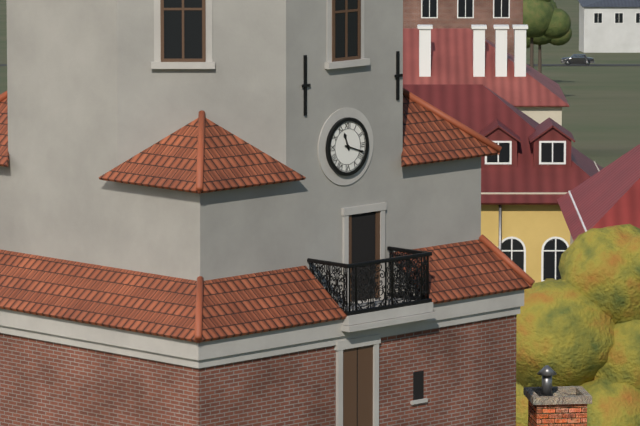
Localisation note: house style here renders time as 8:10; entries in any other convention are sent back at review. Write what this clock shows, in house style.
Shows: 11:18
